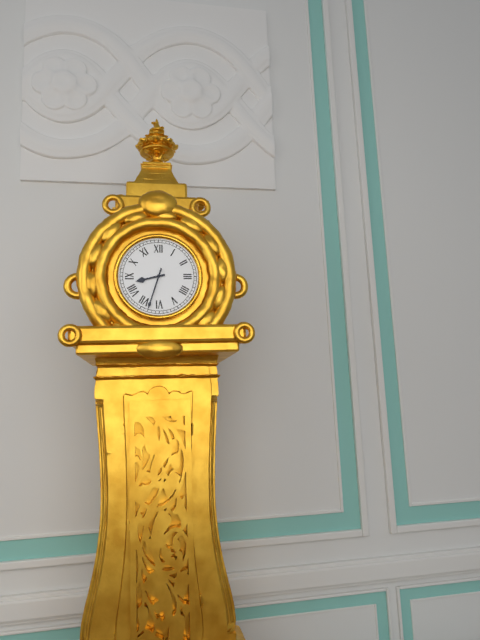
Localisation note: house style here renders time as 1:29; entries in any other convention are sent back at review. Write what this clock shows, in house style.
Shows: 8:33
